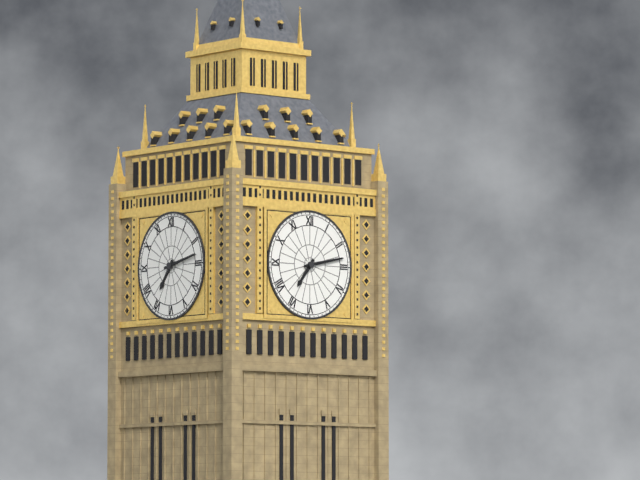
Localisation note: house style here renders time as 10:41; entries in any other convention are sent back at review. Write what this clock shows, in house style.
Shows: 7:13
